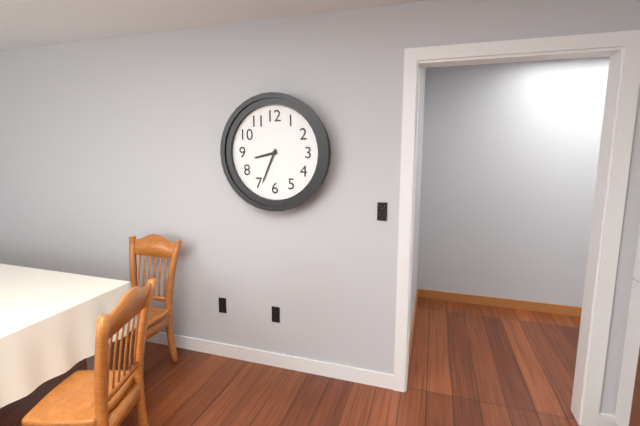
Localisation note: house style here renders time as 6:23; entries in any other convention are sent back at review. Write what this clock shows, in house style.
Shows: 8:34
